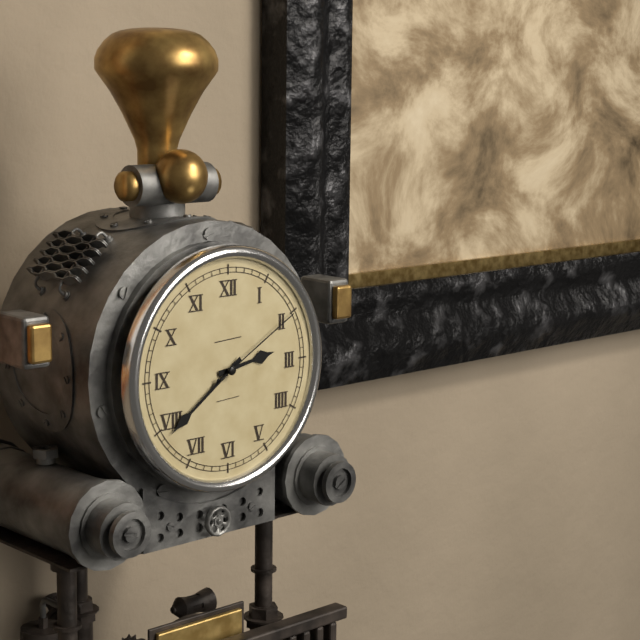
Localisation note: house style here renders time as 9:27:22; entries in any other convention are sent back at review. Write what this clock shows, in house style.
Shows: 2:39:10
